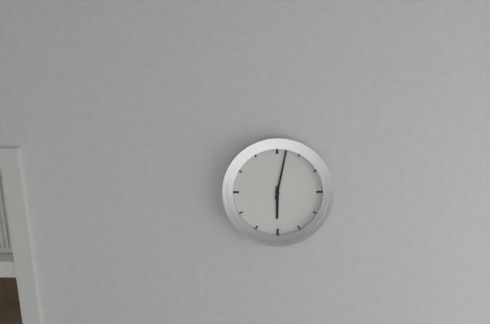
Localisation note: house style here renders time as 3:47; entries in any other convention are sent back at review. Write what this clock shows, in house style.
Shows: 6:02
